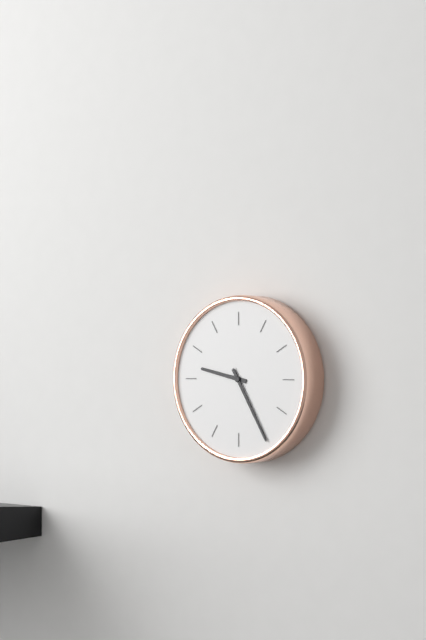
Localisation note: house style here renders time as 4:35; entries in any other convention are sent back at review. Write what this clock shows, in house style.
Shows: 9:25
